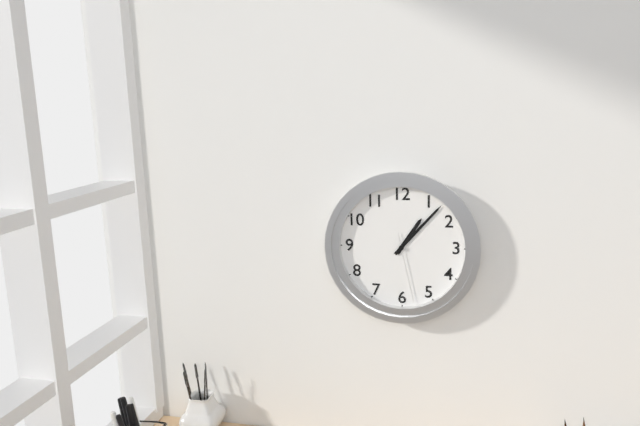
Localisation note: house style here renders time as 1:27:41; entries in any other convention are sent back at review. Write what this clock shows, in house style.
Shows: 1:07:28
